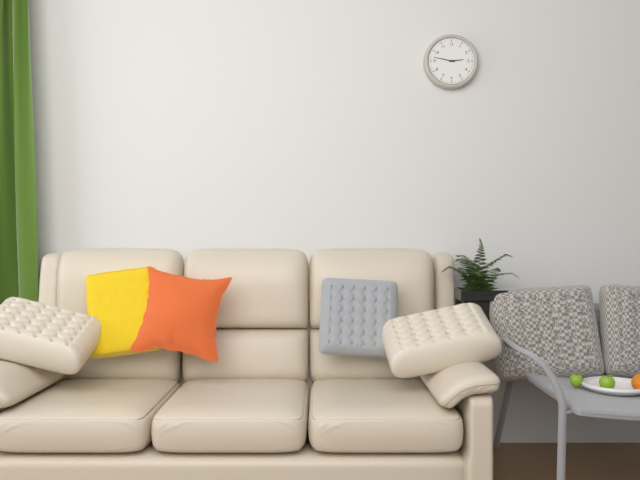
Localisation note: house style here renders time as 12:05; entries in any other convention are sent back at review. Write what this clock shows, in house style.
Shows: 2:47
